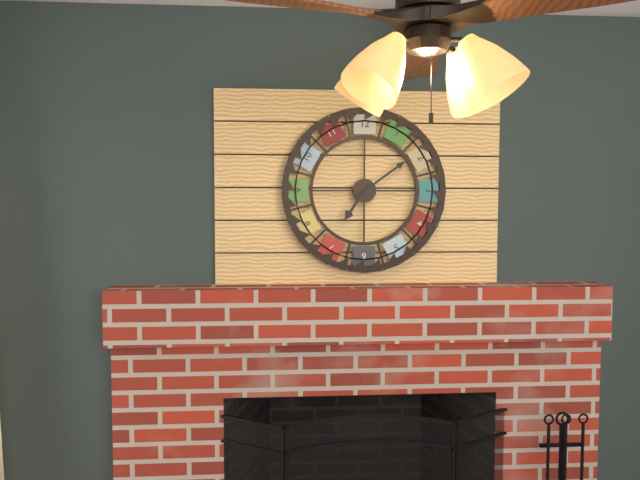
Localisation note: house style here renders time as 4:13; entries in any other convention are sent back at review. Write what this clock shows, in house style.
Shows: 7:09
